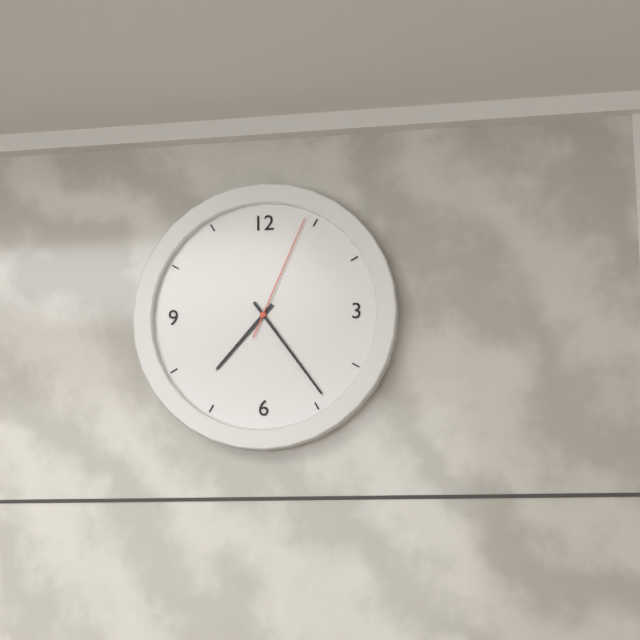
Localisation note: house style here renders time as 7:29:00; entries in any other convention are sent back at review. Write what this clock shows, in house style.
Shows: 7:24:04
